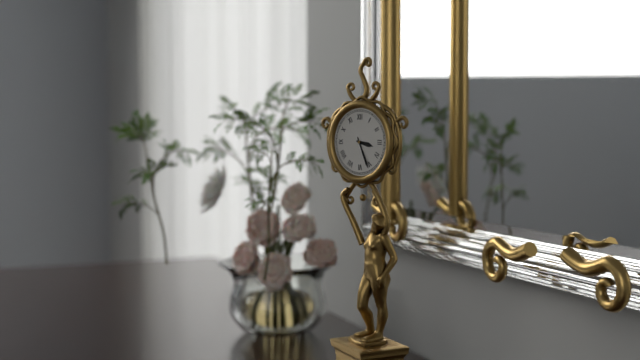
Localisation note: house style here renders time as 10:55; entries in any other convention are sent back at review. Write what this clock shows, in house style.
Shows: 3:26
